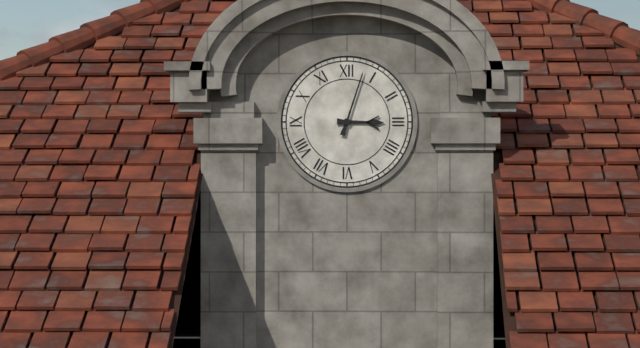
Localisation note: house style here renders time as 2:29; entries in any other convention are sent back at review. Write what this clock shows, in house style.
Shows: 3:03
